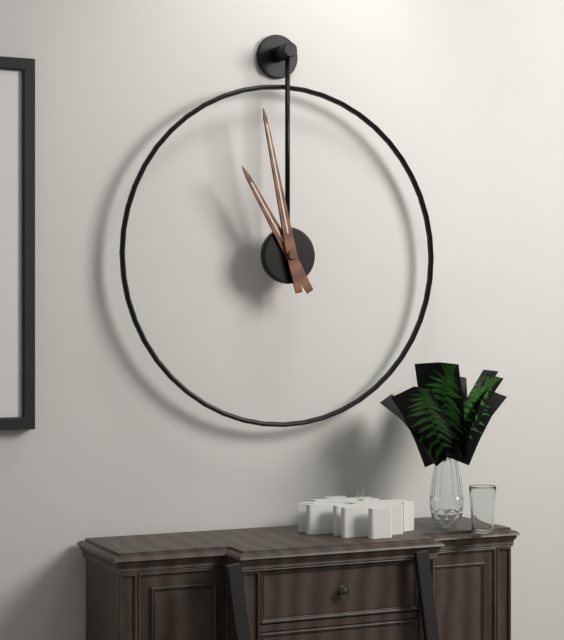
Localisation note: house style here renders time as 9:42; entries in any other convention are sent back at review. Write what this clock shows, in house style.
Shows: 10:58
